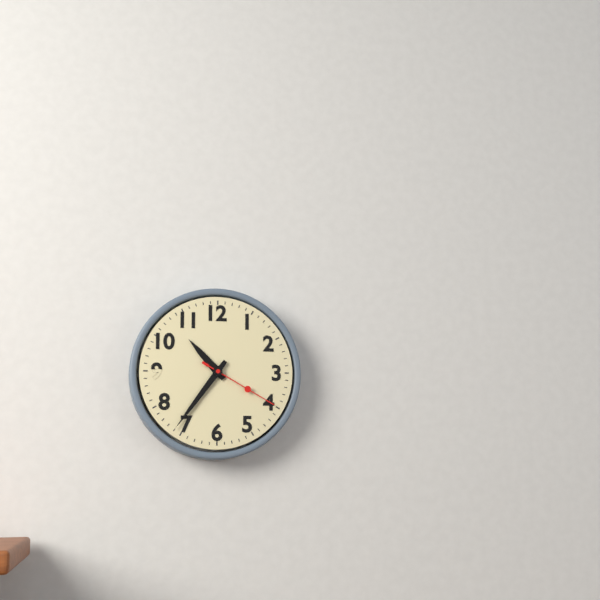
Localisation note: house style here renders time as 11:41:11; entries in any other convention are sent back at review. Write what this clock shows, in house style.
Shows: 10:36:20
